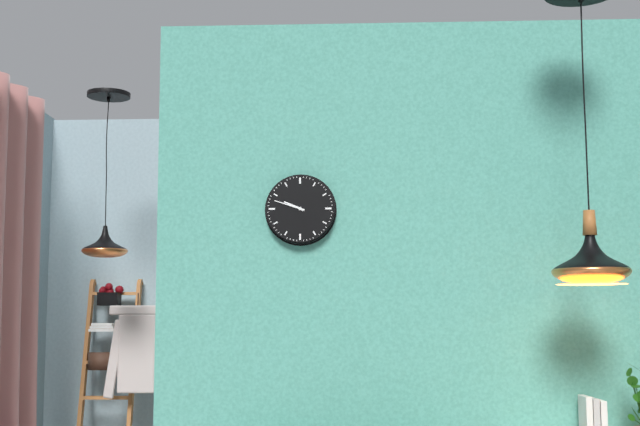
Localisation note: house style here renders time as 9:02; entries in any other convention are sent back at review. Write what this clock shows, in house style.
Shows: 9:48
